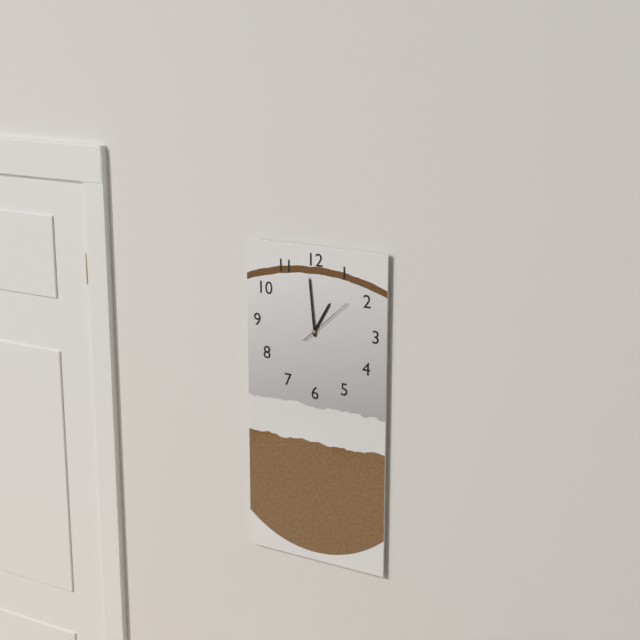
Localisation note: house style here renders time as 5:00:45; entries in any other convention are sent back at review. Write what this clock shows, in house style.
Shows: 12:59:08
